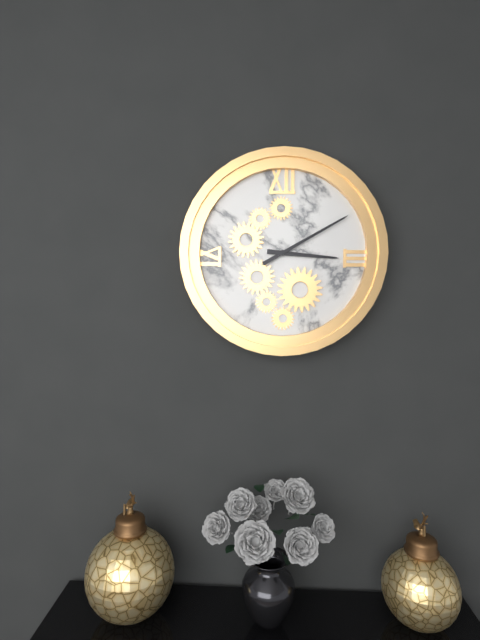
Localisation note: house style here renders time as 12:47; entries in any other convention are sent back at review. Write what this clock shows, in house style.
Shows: 3:10
